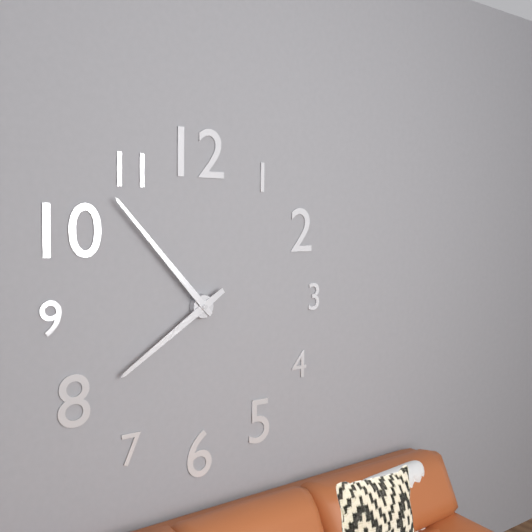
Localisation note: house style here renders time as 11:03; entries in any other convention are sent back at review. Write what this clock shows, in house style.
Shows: 7:53
